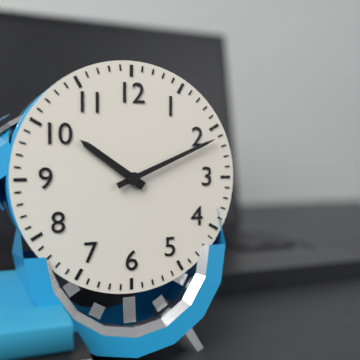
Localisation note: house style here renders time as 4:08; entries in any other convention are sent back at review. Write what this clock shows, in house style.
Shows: 10:11
